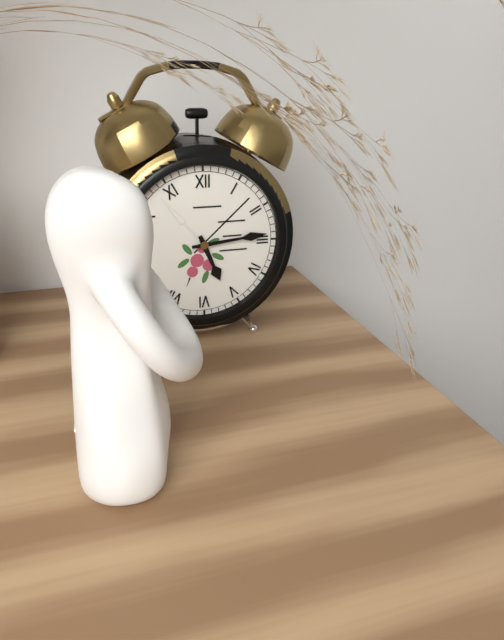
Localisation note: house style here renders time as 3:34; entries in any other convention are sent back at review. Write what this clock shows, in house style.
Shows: 5:14
